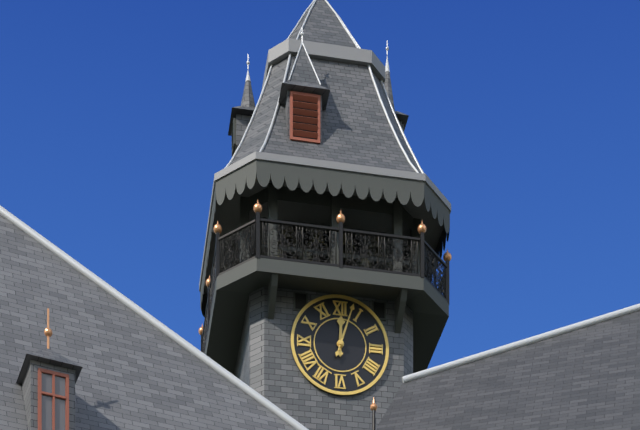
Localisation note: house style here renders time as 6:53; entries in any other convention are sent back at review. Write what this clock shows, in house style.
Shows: 12:03
